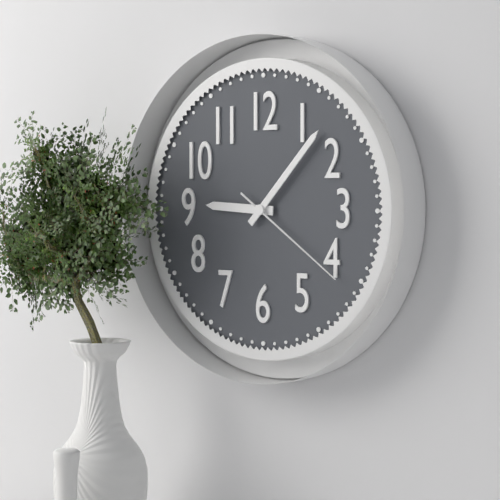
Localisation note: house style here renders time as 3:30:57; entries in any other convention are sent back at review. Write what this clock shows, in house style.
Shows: 9:07:21
